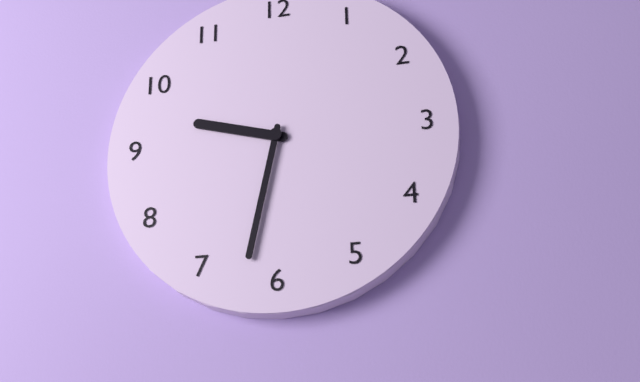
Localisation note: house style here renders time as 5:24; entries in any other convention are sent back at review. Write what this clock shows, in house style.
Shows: 9:32
